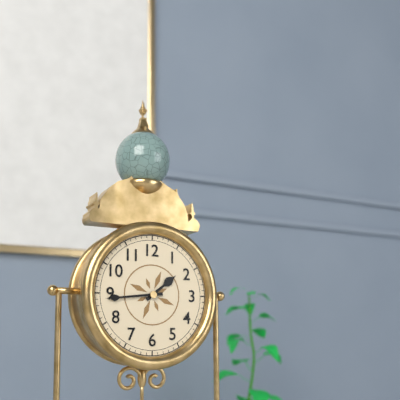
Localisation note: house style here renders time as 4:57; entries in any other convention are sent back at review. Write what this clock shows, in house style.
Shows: 1:44
